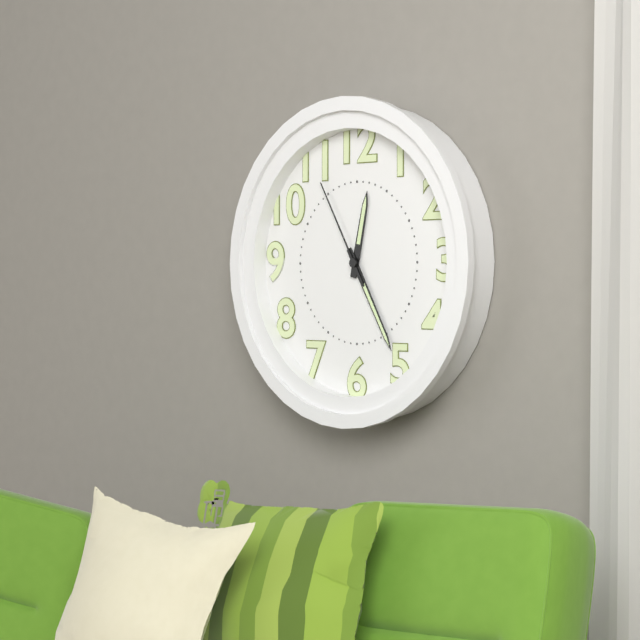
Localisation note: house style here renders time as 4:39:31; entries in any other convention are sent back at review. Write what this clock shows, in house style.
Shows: 12:25:55
